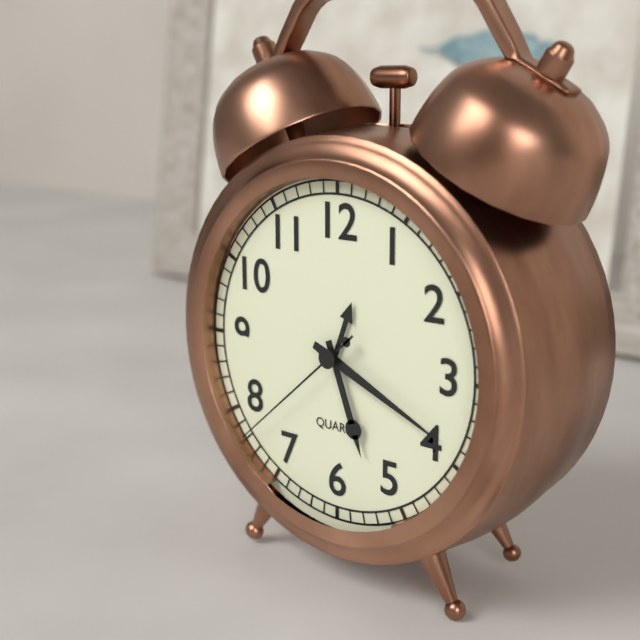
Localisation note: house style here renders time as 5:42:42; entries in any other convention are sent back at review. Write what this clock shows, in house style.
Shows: 5:19:38
